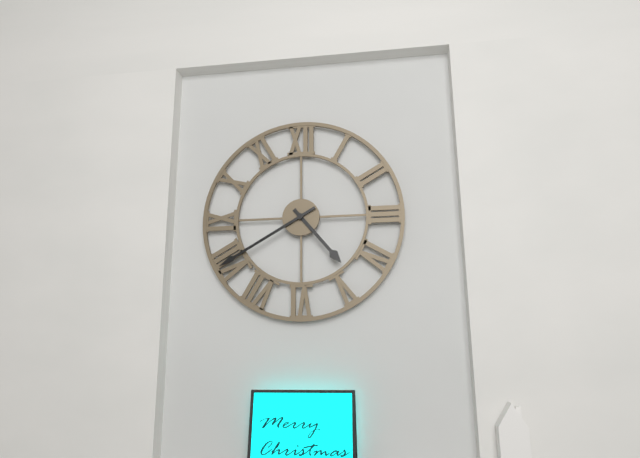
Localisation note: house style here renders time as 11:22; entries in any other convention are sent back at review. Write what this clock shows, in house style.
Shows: 4:40
